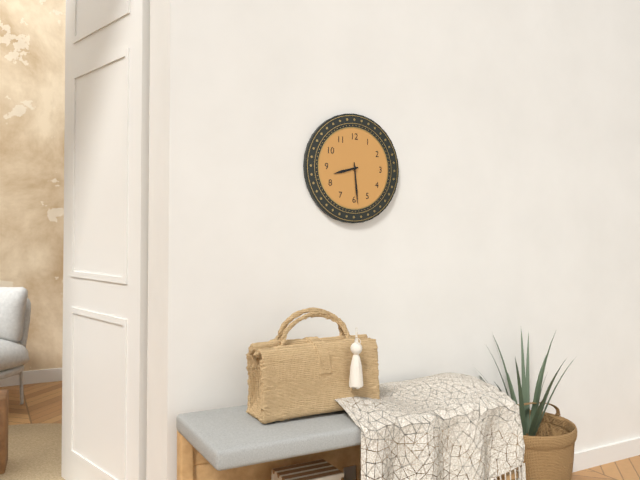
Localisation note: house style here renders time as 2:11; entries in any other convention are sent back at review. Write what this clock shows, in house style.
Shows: 8:29
